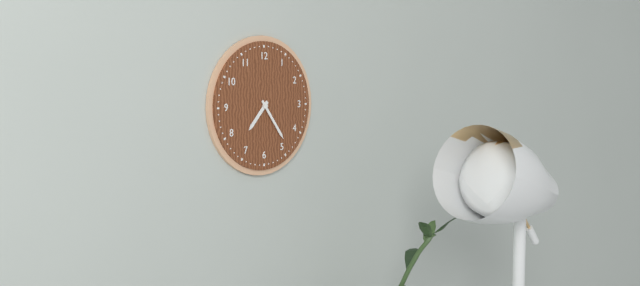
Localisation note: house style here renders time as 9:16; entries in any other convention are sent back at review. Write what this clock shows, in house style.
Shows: 7:24
